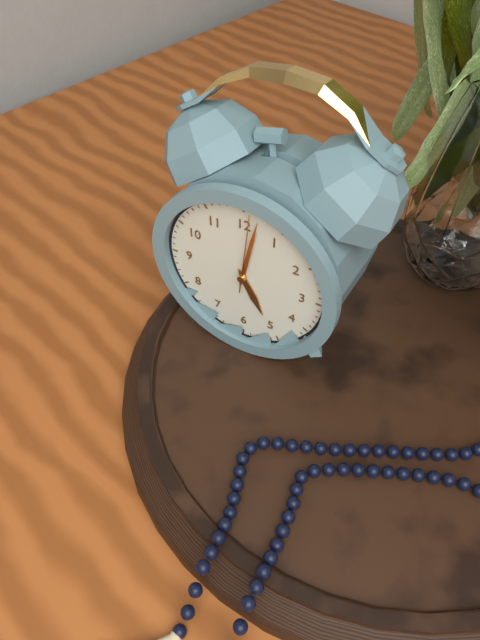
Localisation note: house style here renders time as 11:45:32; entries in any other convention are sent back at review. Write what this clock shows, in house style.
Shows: 5:02:01
